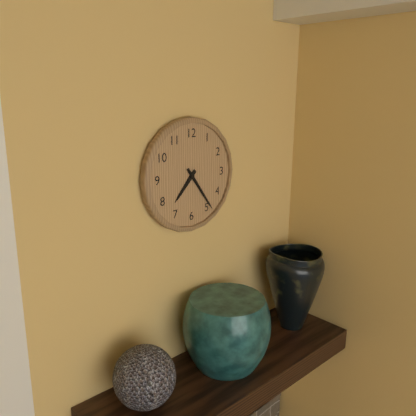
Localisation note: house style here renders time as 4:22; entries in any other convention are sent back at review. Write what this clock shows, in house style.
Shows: 7:24
